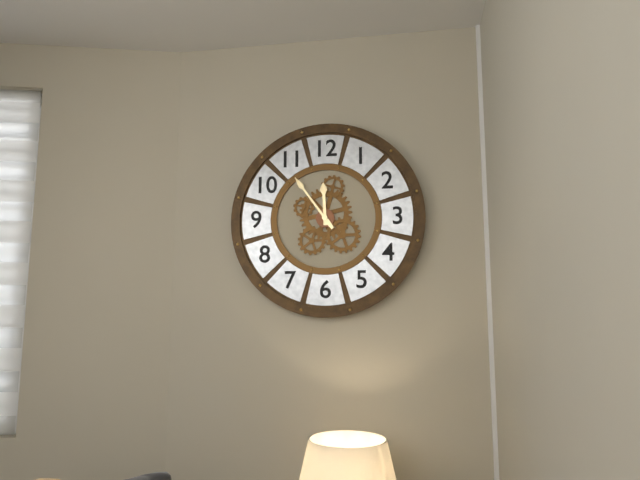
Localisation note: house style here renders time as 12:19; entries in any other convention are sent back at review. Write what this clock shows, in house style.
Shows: 11:54
